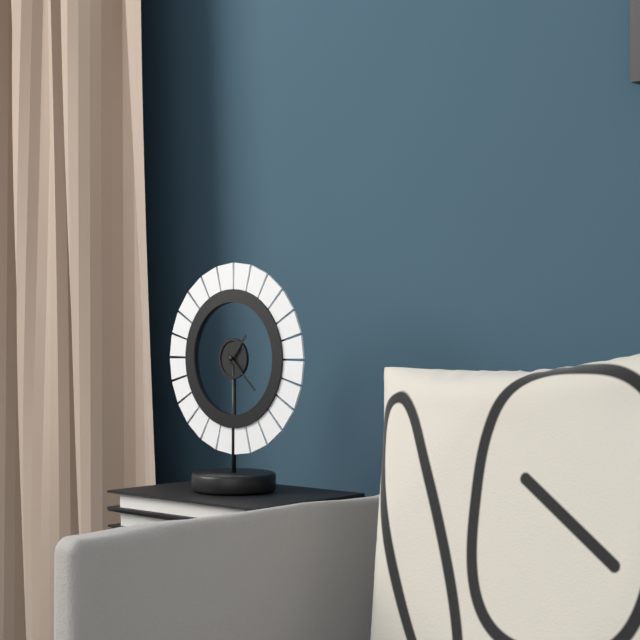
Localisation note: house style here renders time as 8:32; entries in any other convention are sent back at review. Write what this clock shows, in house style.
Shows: 1:22
